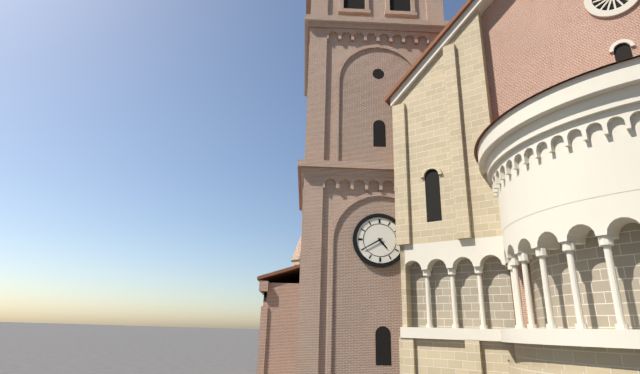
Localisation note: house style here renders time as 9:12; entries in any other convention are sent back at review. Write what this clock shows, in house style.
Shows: 4:40
